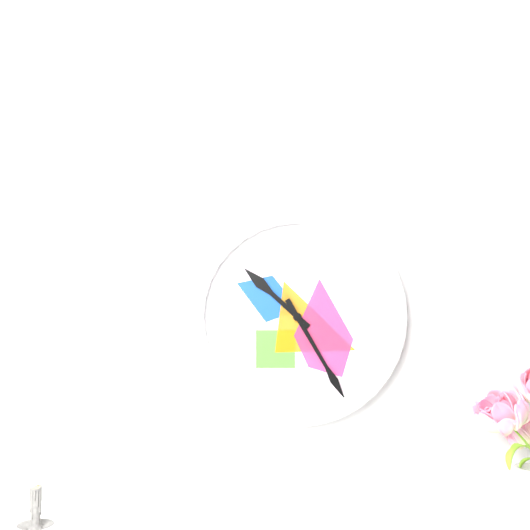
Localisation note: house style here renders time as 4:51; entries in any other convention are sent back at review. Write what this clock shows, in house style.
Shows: 10:25
